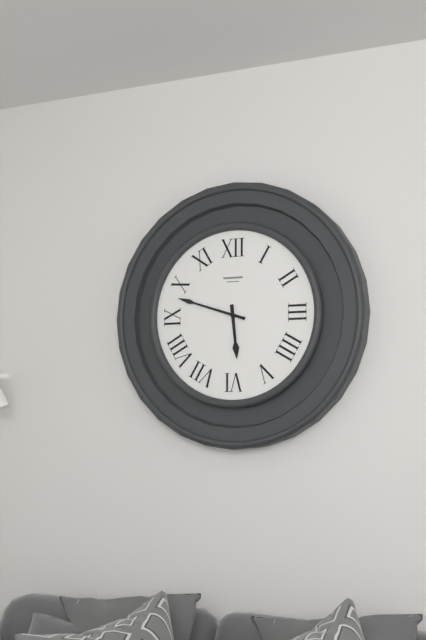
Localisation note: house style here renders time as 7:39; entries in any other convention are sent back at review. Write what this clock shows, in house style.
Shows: 5:48
